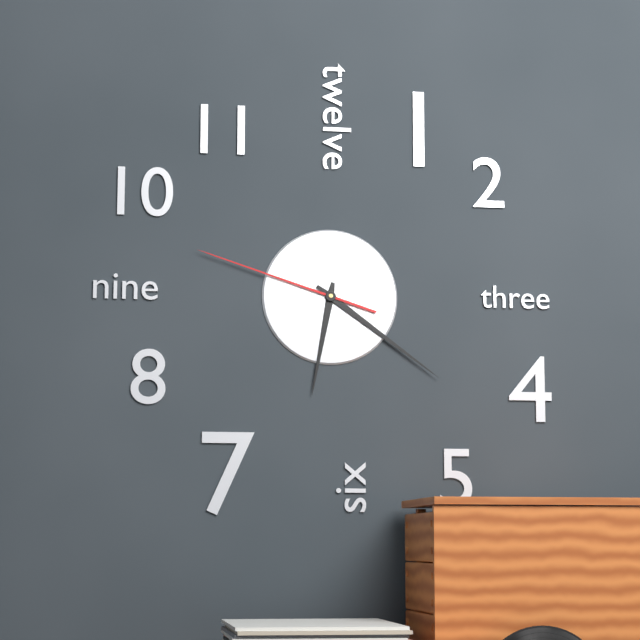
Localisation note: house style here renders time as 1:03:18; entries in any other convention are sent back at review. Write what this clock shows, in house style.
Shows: 6:21:48
